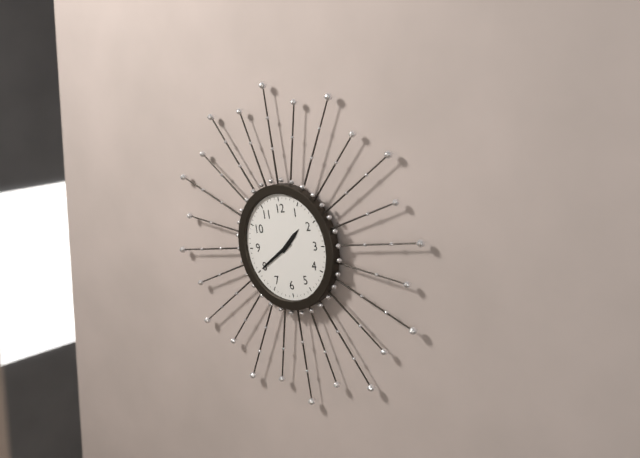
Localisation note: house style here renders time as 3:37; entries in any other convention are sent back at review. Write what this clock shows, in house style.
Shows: 1:40
